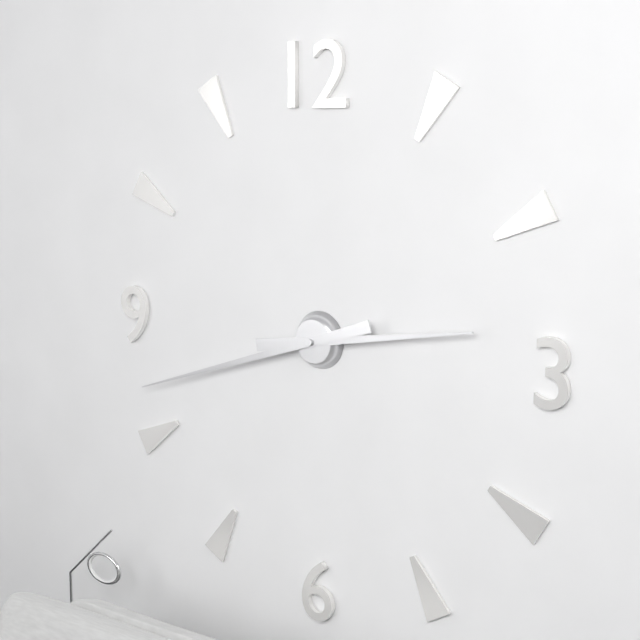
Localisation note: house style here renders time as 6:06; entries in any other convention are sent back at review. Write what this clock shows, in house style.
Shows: 2:42
